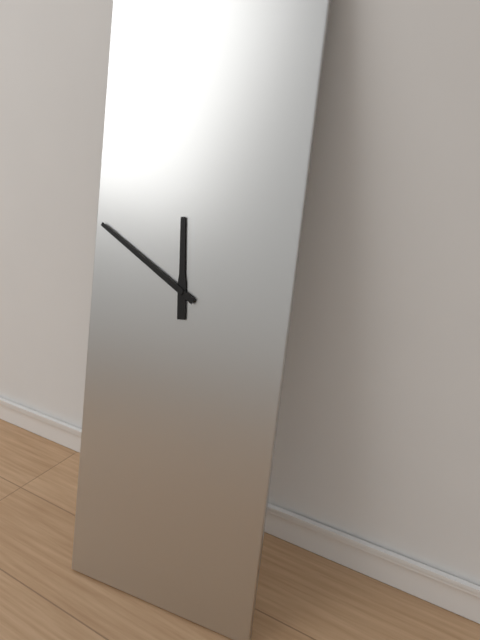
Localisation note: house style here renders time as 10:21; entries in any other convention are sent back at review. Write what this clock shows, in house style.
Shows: 11:50
